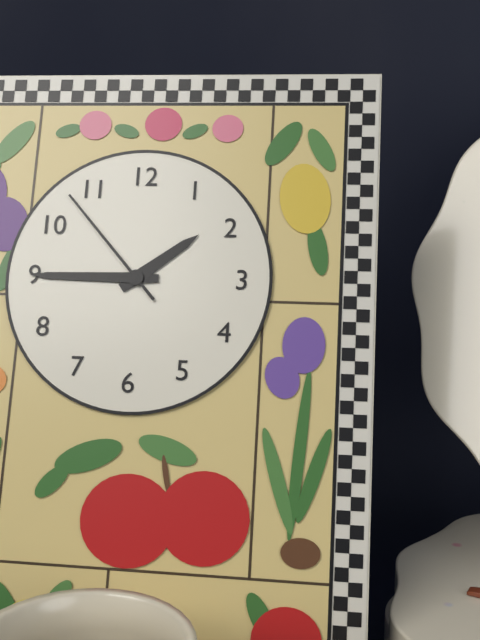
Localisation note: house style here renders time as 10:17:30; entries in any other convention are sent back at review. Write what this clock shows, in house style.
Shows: 1:45:53
